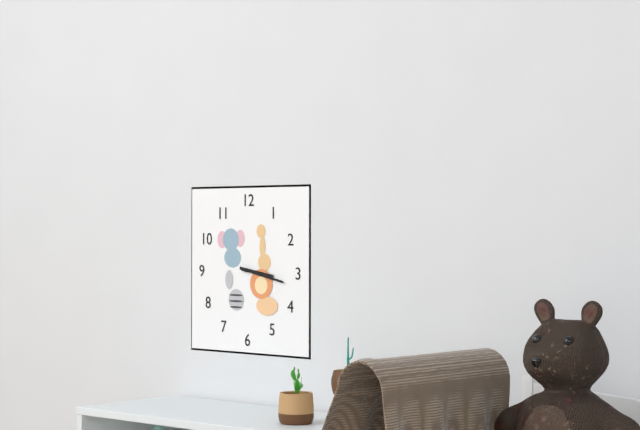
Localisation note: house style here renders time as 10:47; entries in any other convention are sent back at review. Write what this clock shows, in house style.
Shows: 3:17
